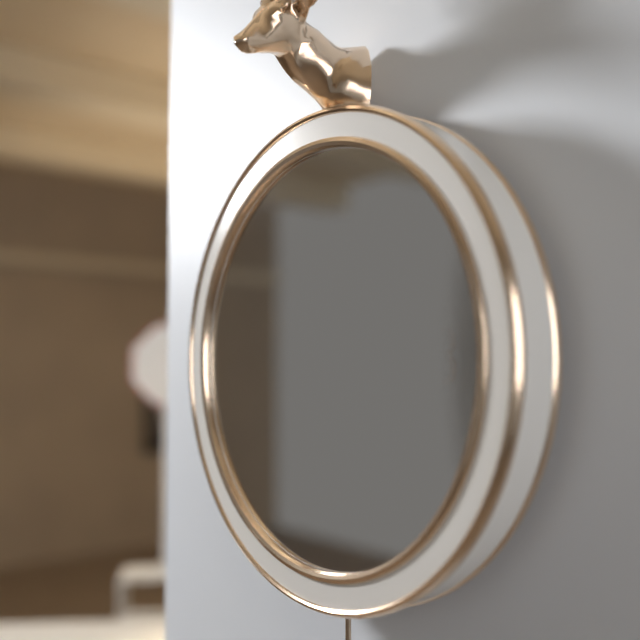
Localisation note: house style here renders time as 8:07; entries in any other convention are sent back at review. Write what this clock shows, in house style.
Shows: 2:08
